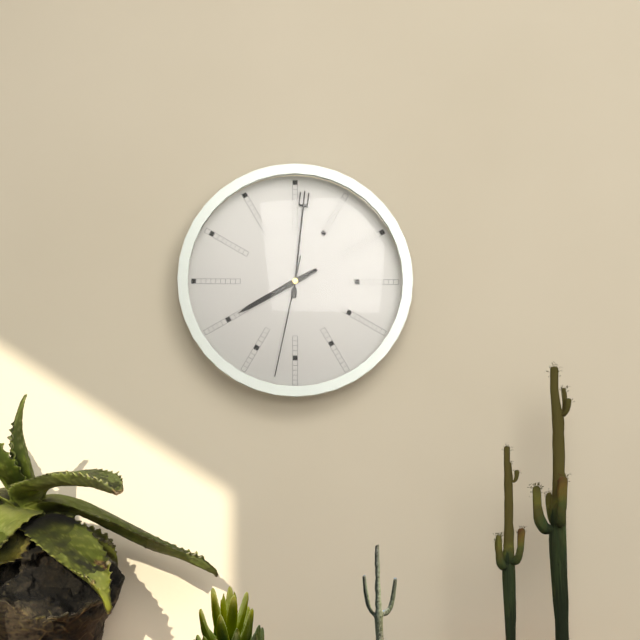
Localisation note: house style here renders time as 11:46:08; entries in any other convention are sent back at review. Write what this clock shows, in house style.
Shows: 8:01:32
